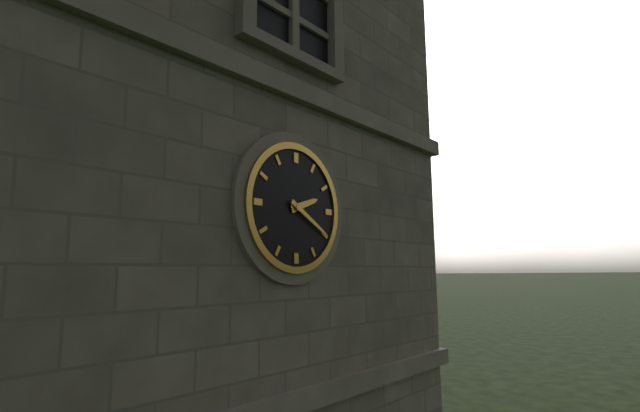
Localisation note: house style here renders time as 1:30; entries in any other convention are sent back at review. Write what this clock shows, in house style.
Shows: 2:20
